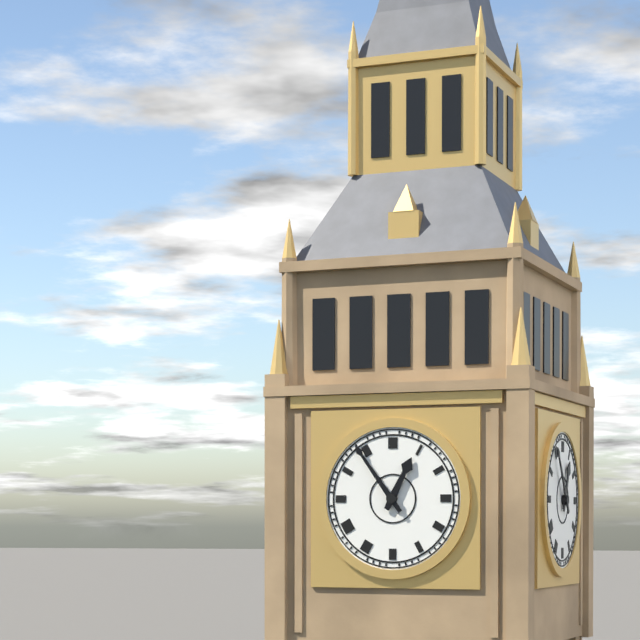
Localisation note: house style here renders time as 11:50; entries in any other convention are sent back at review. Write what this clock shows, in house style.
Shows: 12:54
